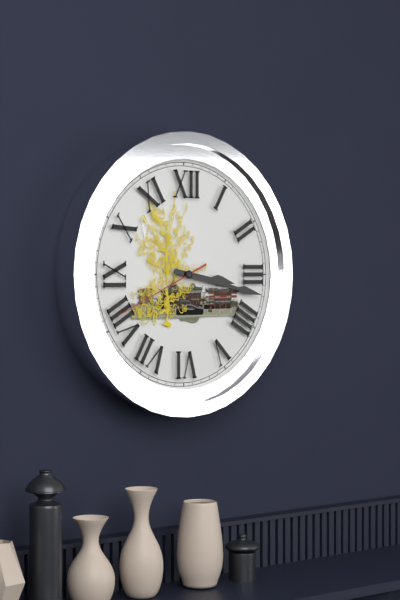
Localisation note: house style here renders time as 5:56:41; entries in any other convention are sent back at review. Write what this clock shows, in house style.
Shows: 3:17:41
